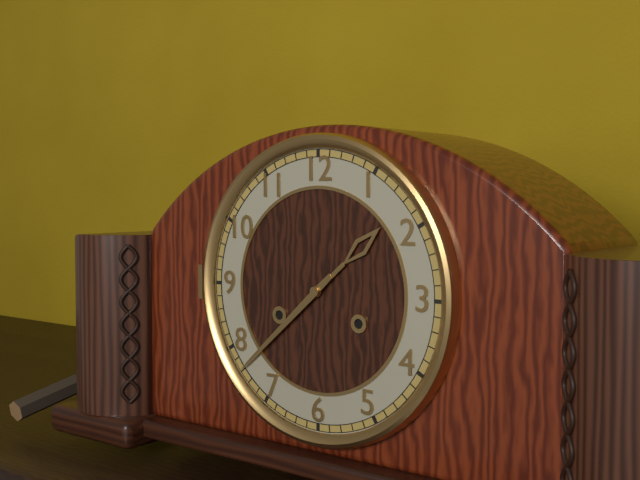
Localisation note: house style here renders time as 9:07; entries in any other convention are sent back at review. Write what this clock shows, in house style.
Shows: 1:38
